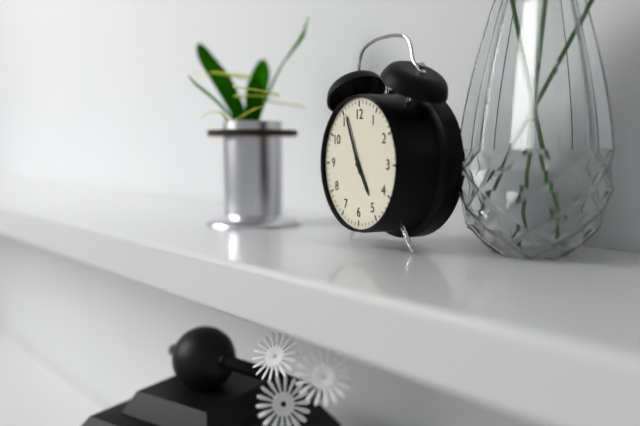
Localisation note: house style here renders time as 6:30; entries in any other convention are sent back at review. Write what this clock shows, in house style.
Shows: 4:56
